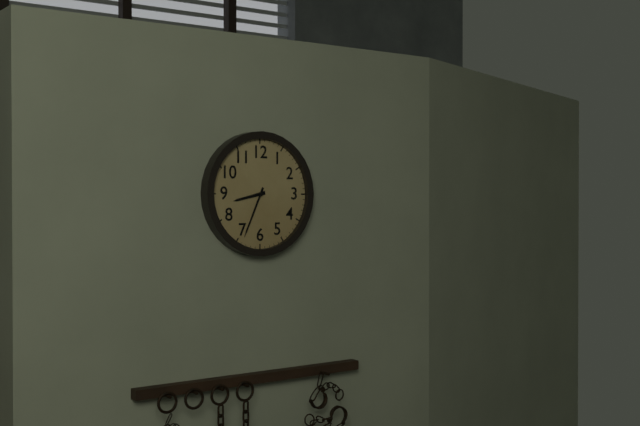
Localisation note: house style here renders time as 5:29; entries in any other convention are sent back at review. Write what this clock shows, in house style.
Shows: 8:34
